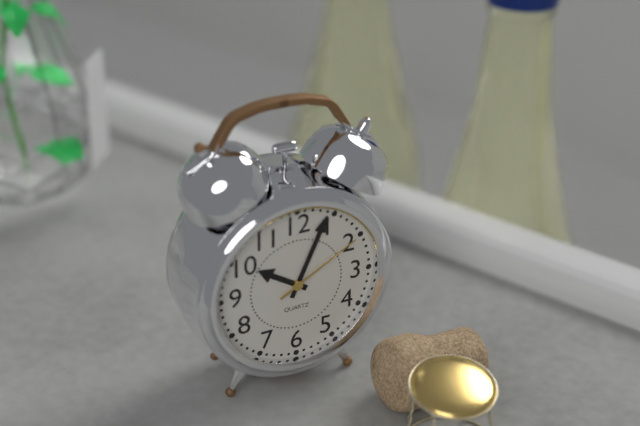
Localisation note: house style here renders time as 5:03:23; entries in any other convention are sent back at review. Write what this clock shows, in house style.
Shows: 10:04:10
